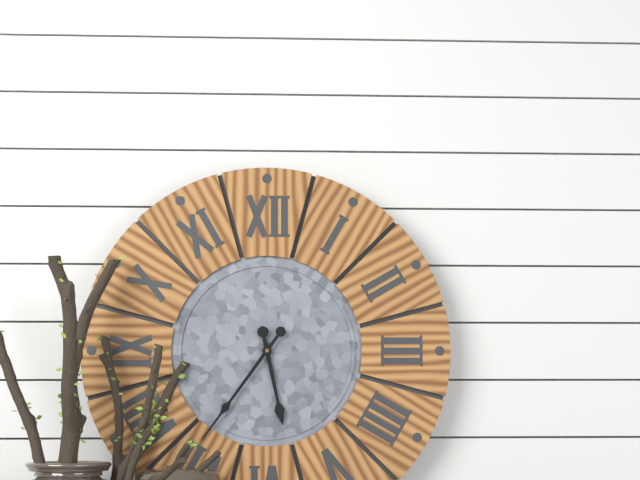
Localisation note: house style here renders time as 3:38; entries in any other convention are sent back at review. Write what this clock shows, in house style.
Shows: 5:36
